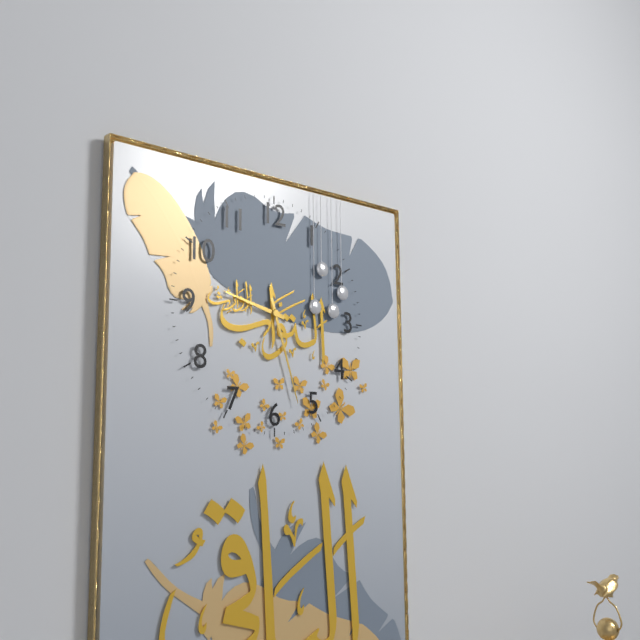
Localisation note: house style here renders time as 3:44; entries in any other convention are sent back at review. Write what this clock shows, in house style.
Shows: 9:27
